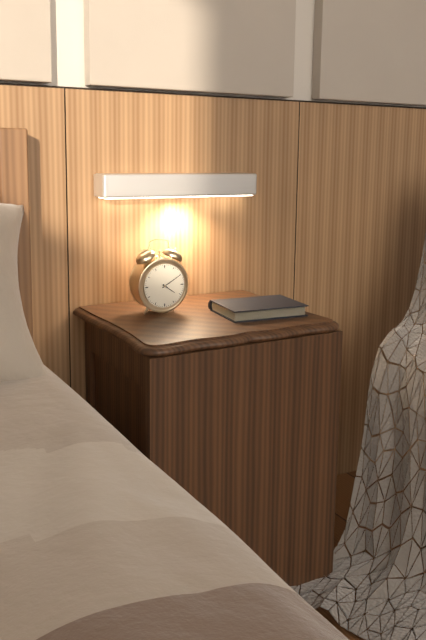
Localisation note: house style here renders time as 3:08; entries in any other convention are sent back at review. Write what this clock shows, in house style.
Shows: 4:10
